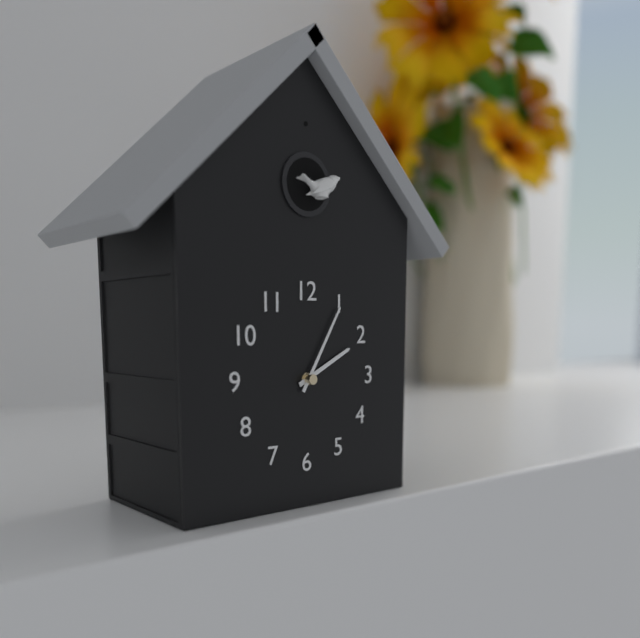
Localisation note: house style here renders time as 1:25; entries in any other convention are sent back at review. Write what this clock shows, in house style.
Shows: 2:05
